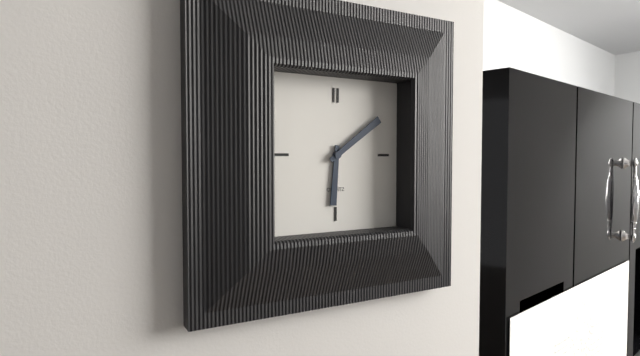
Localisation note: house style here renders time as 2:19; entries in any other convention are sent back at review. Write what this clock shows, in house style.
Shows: 6:09
